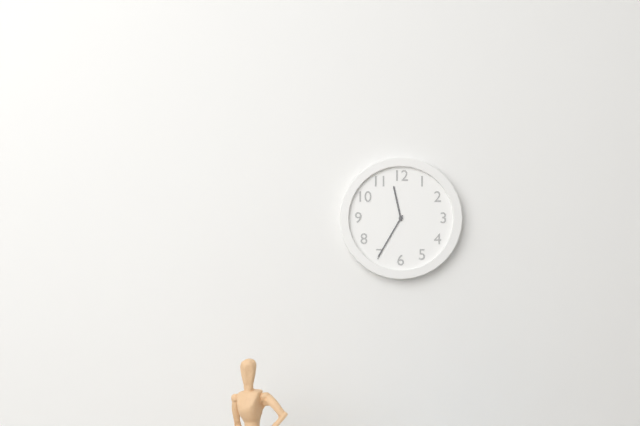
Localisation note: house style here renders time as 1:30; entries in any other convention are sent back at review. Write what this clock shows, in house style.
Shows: 11:35
